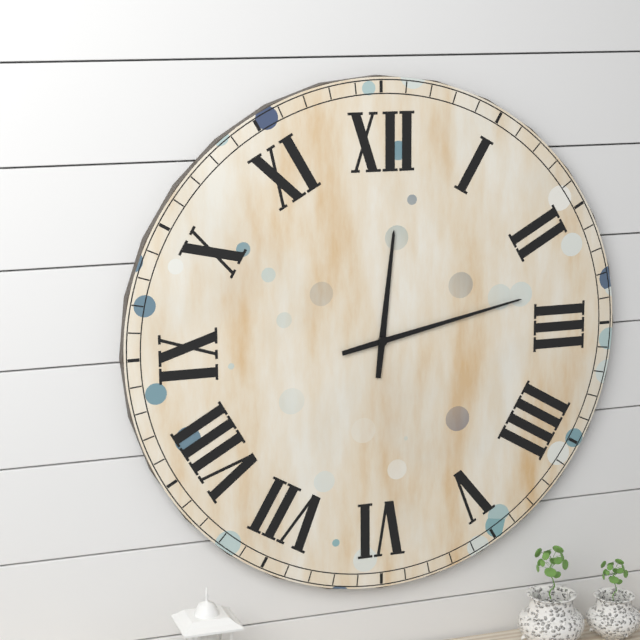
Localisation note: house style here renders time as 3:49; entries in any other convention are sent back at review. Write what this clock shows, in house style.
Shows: 12:13
